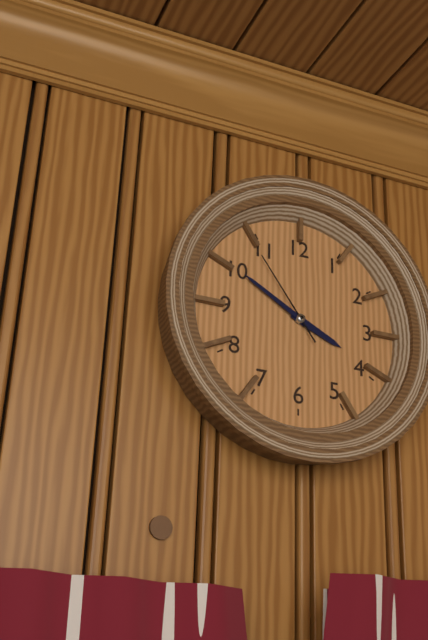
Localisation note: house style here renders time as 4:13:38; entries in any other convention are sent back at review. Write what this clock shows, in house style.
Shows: 3:50:54
